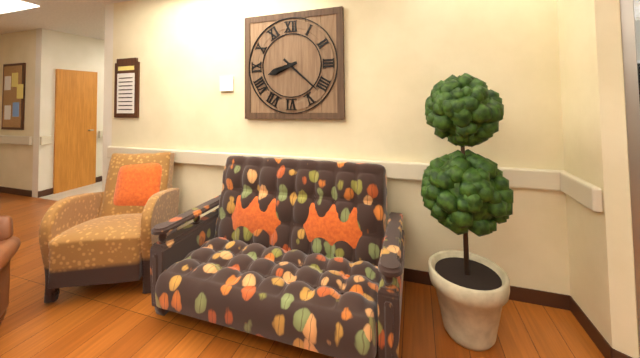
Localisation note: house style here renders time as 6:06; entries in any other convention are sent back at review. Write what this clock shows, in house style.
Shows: 8:22
